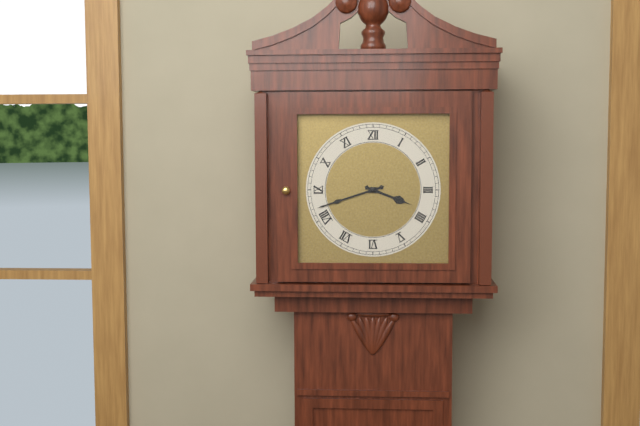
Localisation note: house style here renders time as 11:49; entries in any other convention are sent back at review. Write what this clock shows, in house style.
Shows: 3:42
